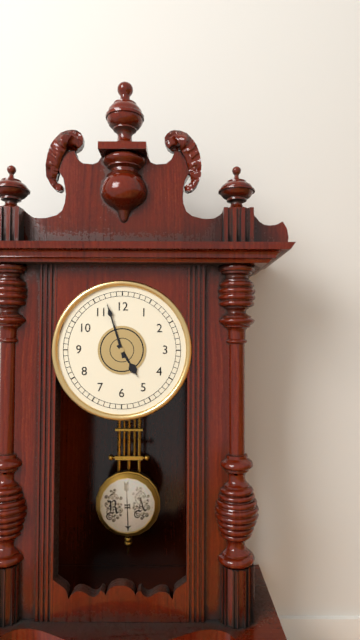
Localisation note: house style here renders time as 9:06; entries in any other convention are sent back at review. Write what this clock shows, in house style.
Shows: 4:57
